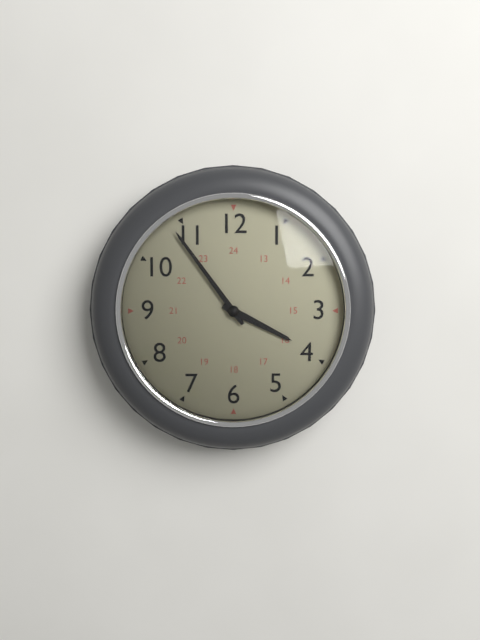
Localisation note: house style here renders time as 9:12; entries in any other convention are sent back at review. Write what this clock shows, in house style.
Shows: 3:54
